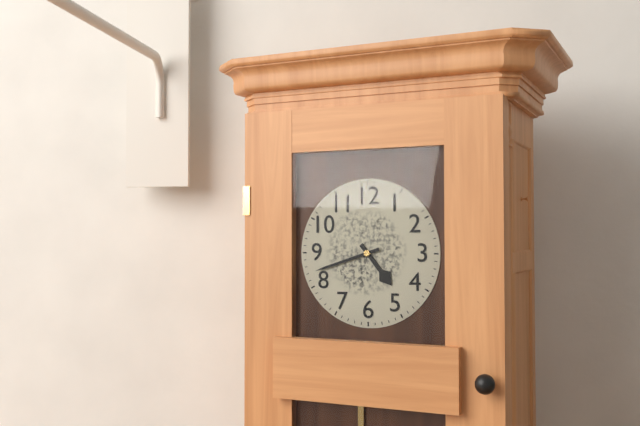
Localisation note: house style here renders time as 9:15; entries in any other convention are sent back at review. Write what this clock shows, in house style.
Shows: 4:42
